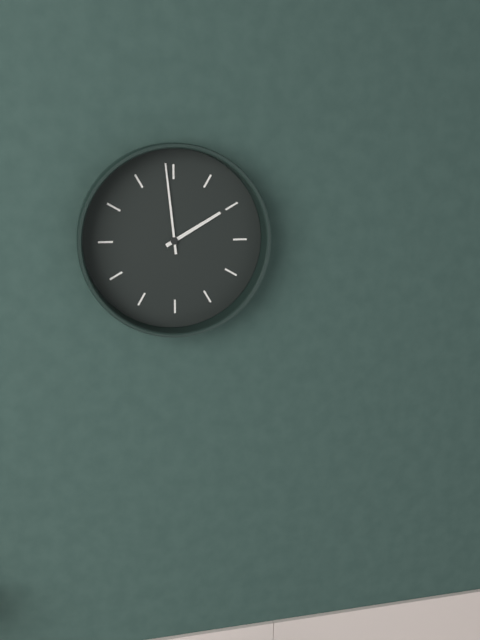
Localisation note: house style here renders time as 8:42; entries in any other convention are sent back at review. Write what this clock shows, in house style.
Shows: 1:59
